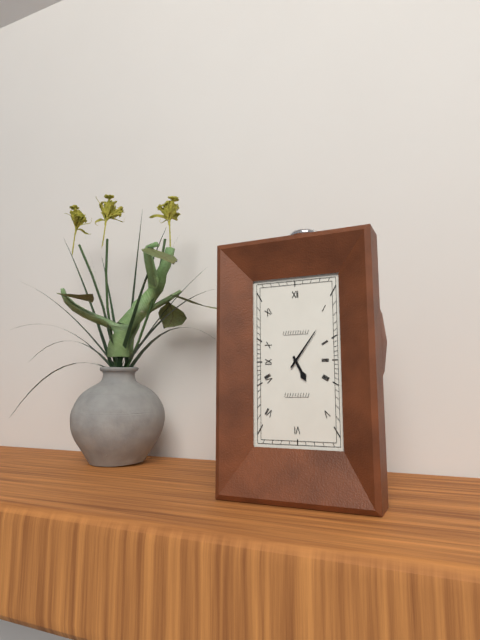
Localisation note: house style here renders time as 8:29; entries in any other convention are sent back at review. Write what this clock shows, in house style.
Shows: 5:06
